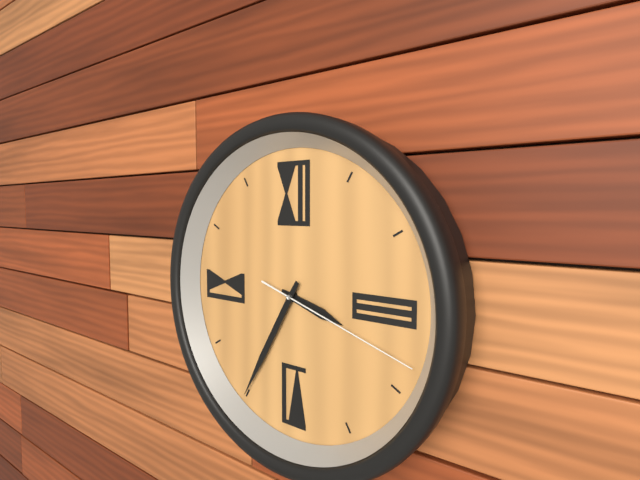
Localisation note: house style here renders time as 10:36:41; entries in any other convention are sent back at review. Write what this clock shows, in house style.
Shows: 3:35:18
